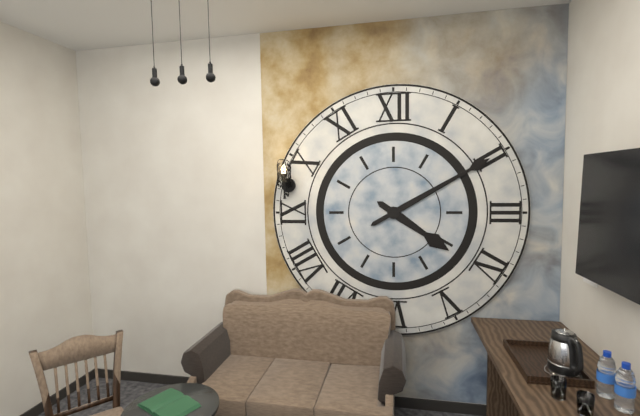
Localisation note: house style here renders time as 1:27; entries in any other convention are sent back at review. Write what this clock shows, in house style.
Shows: 4:10
